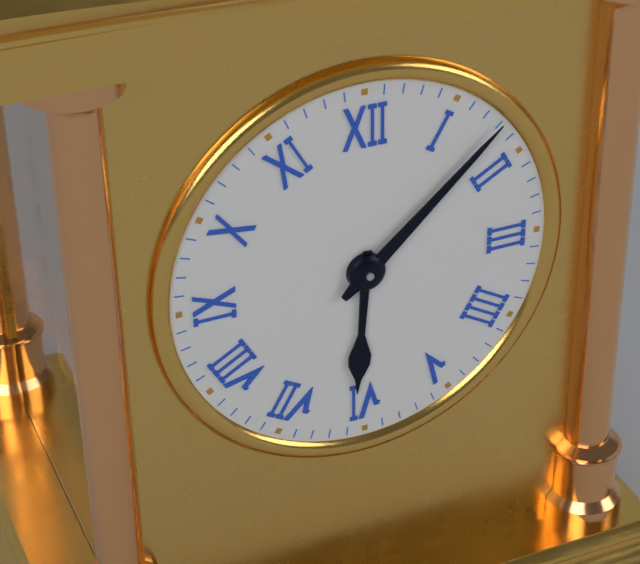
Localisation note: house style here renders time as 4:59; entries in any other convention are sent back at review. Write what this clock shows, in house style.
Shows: 6:08
